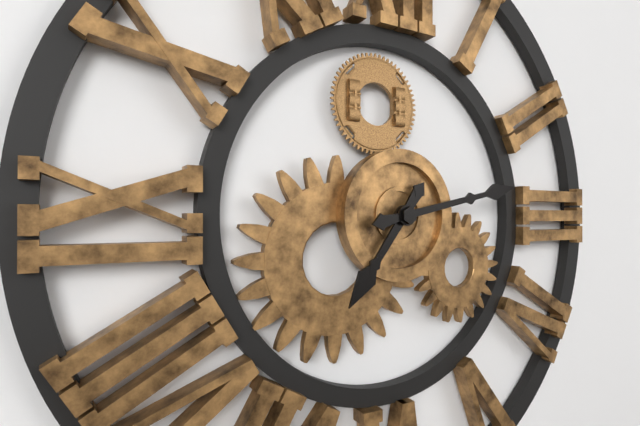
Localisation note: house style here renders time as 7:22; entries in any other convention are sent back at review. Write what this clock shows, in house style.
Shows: 7:13
